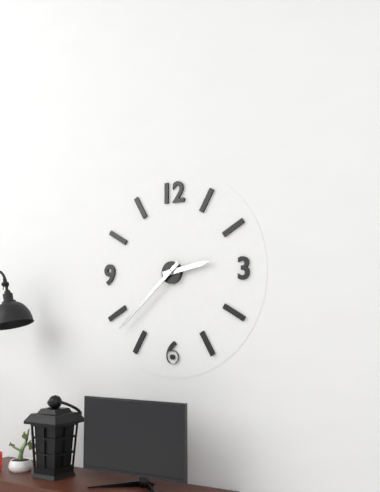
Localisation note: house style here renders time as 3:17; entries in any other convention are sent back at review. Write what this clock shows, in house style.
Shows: 2:38
